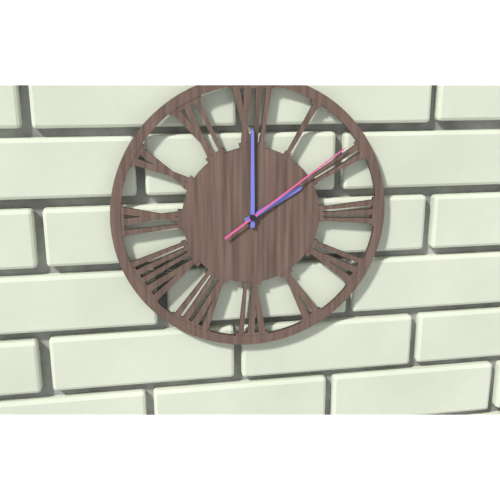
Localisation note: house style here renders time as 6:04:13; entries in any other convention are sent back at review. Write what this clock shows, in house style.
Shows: 2:00:09
